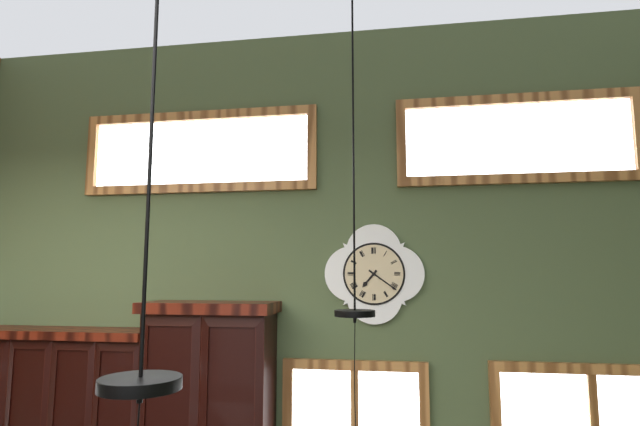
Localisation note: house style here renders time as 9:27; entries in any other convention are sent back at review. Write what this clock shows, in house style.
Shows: 7:21
